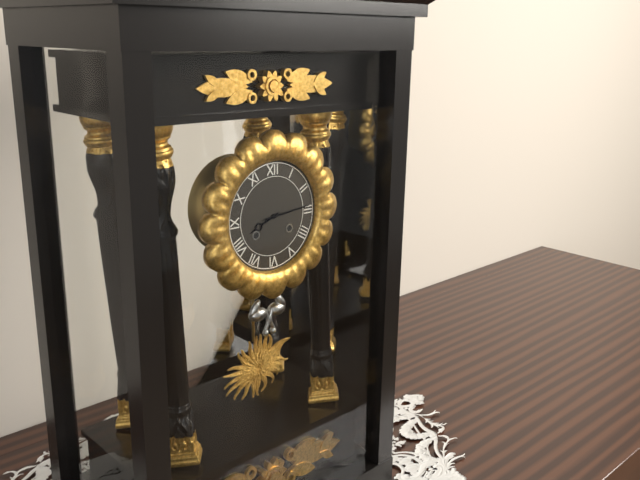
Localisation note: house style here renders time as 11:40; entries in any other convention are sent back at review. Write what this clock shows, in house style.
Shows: 8:14
